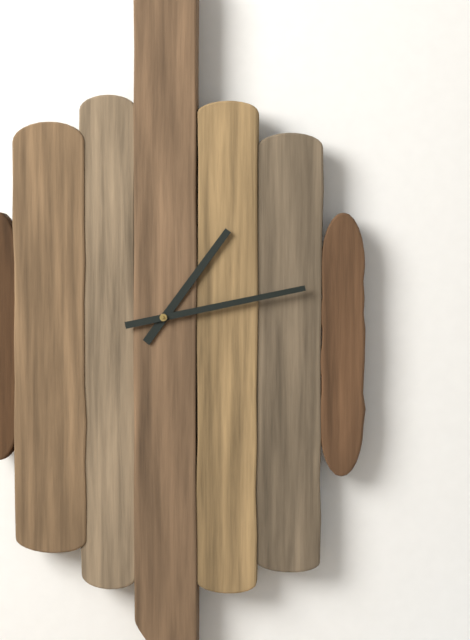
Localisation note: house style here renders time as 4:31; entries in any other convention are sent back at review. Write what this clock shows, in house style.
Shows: 1:13
